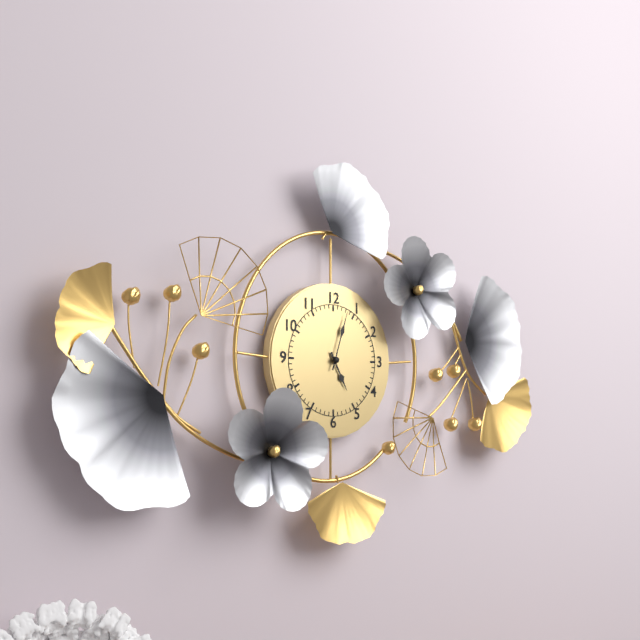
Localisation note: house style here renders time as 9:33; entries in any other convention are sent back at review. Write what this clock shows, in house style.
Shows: 5:03
